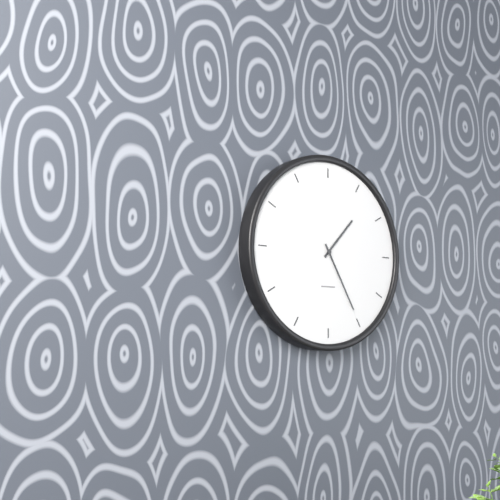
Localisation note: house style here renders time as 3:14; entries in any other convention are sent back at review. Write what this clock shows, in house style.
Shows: 1:25
